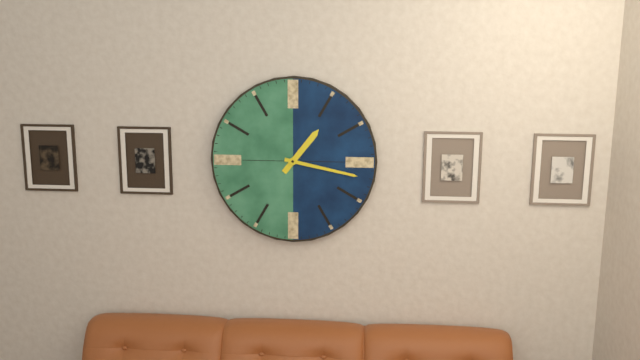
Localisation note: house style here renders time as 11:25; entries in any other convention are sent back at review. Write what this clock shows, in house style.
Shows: 1:17
